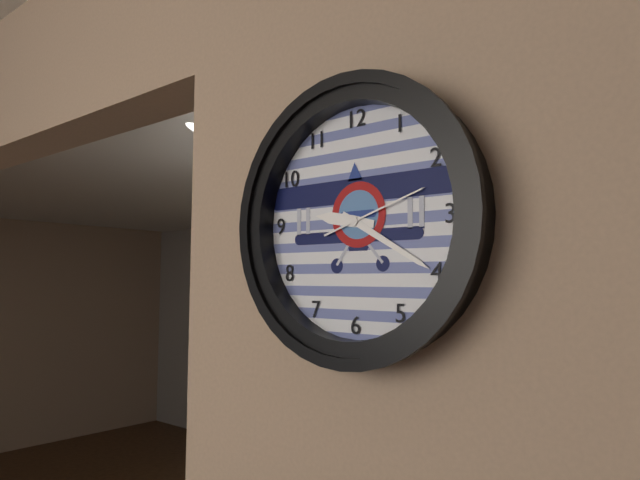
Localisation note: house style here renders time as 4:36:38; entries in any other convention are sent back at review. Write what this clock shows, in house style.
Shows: 9:20:12
